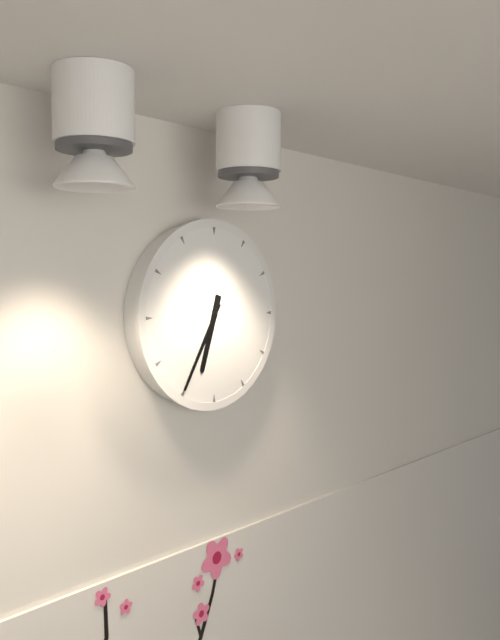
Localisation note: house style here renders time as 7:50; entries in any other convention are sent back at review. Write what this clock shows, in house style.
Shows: 6:35
